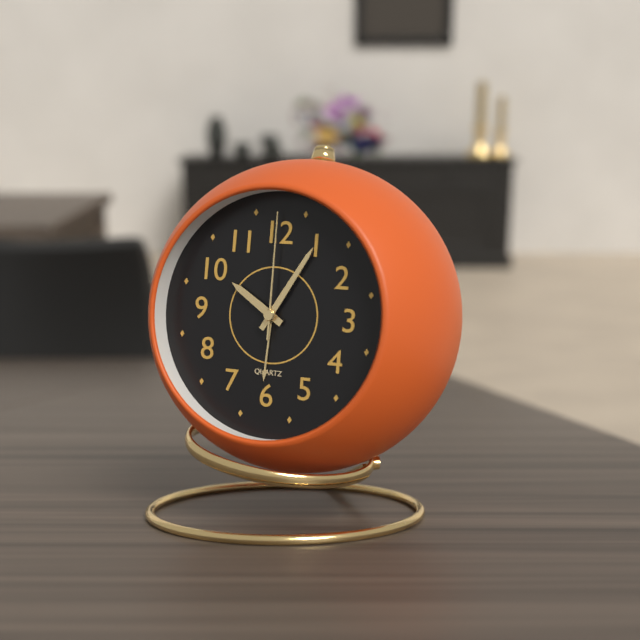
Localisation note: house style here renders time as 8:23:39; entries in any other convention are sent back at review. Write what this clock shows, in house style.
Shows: 10:05:00
